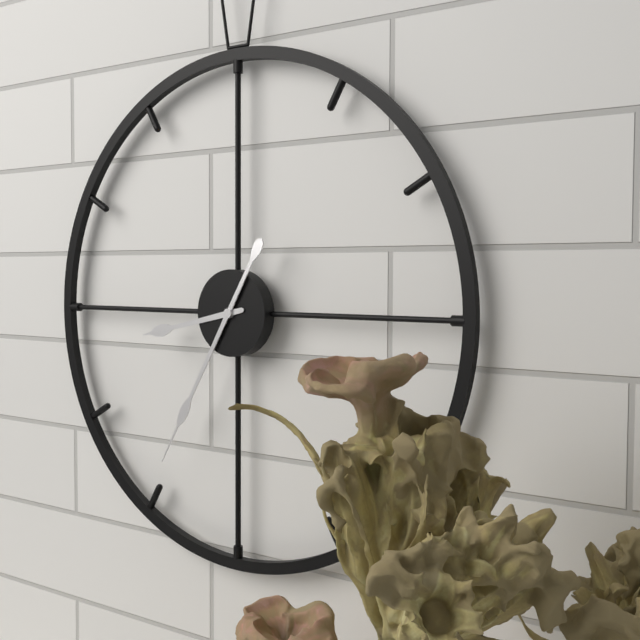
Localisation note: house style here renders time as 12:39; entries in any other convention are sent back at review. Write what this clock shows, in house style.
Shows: 8:35
